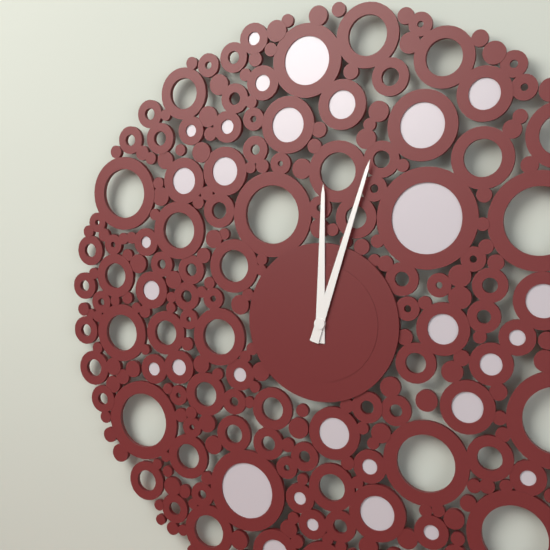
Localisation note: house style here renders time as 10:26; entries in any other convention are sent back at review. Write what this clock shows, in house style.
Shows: 12:03
